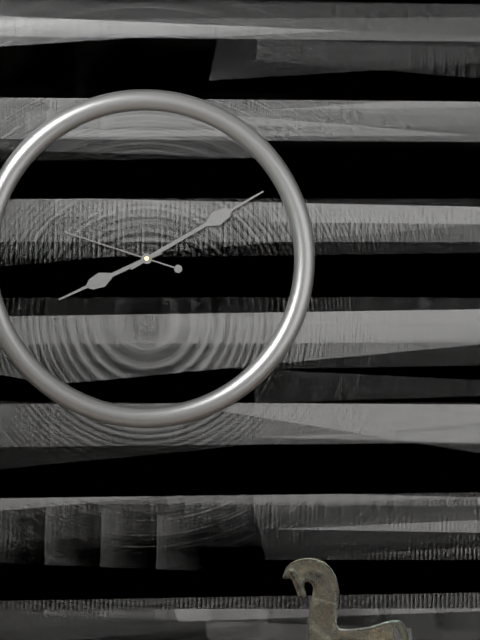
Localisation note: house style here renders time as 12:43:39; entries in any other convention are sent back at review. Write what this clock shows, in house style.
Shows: 8:10:48
